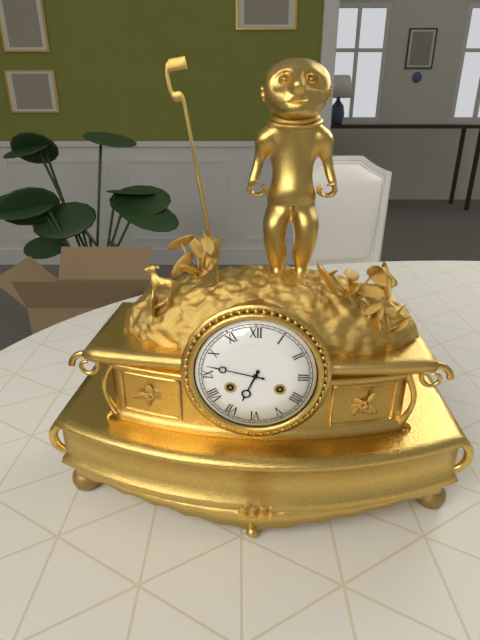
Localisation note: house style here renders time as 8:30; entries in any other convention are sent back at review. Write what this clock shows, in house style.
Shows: 6:47
